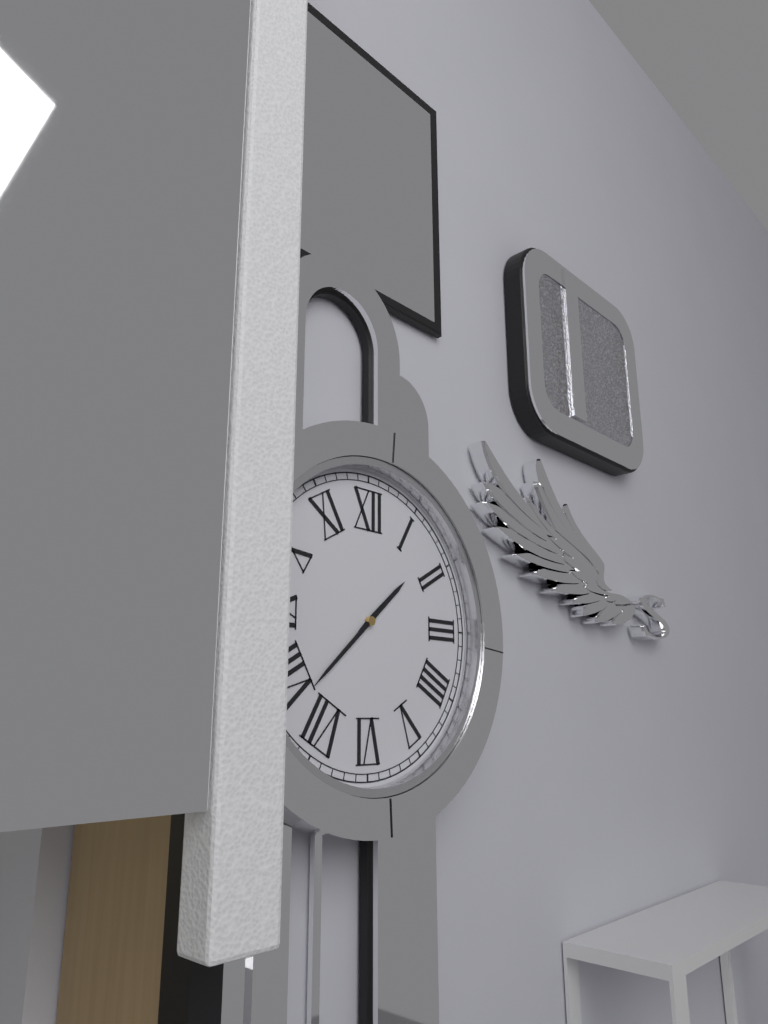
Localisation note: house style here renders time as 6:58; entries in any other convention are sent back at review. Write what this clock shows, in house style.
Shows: 1:38
